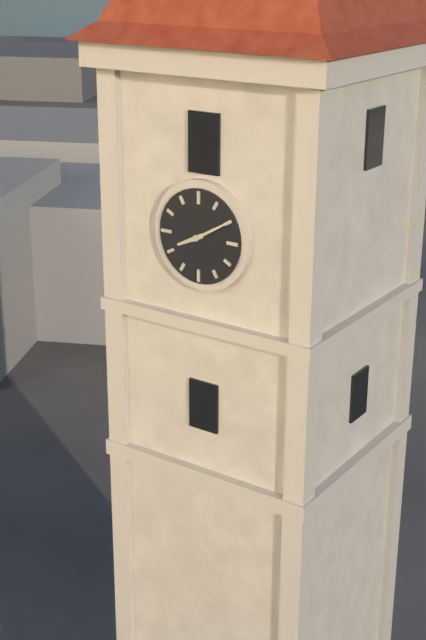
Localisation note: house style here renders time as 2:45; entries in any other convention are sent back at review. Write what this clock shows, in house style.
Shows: 8:10
